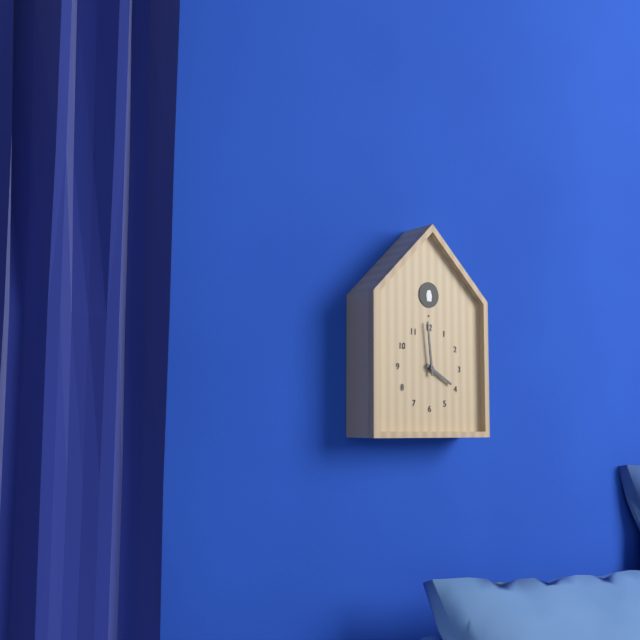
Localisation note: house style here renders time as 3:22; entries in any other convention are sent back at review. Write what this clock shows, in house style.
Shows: 3:59
